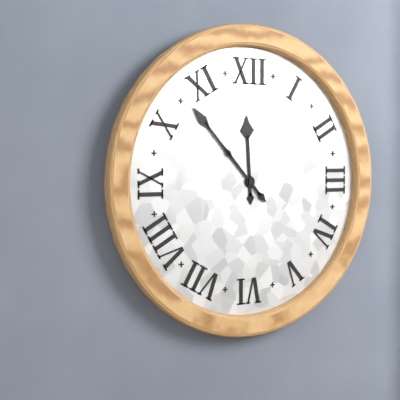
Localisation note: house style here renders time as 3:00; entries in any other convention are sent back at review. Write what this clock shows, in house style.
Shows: 11:53
